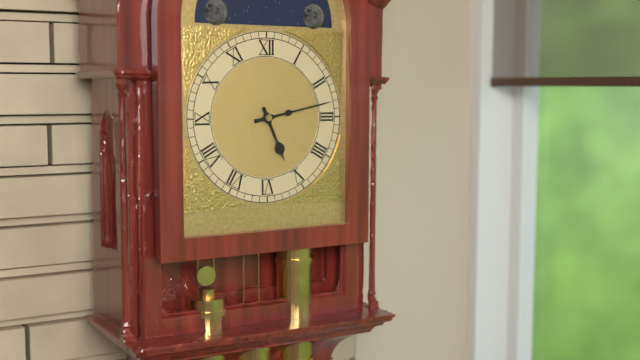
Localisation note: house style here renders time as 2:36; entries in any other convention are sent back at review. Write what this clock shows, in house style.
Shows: 5:13
